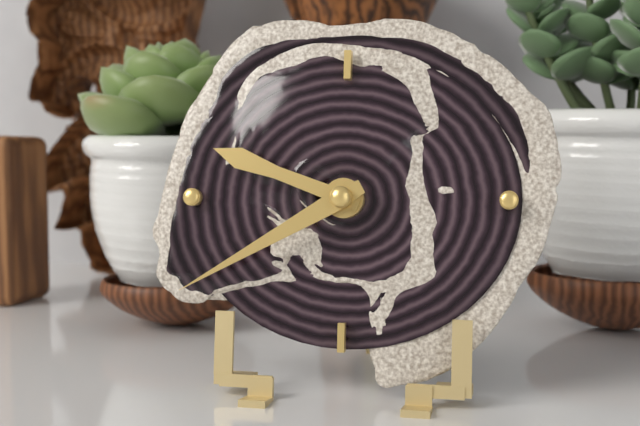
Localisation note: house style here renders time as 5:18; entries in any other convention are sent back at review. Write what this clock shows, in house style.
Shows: 9:40
